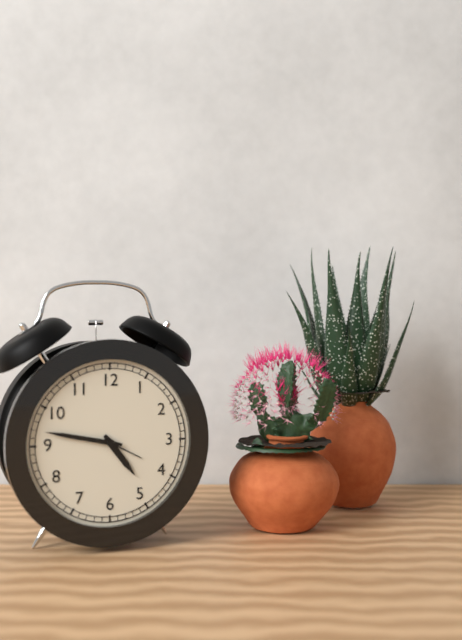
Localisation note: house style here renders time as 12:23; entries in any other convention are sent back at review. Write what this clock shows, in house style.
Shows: 4:47
